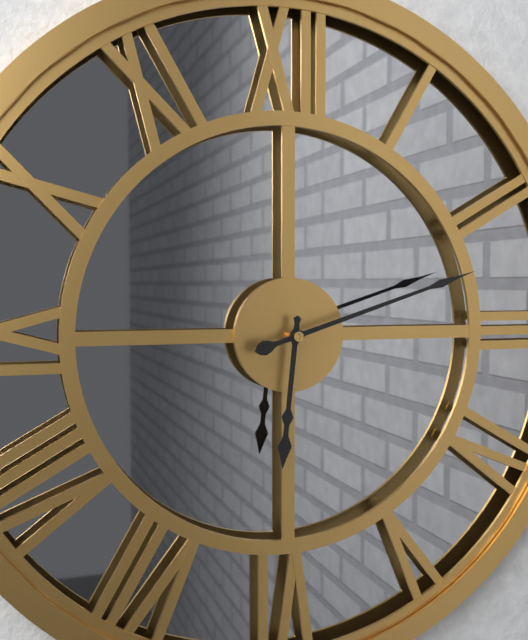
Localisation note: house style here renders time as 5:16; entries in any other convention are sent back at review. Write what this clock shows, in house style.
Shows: 6:12
